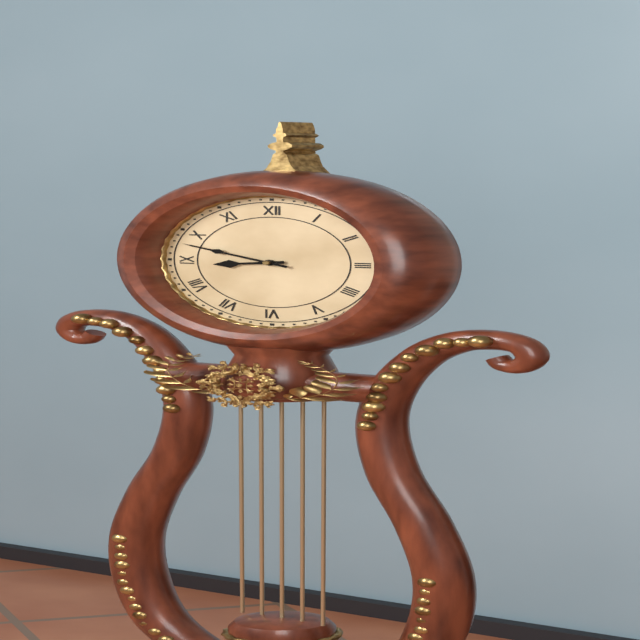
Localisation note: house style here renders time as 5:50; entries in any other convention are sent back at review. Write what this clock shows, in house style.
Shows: 8:48
